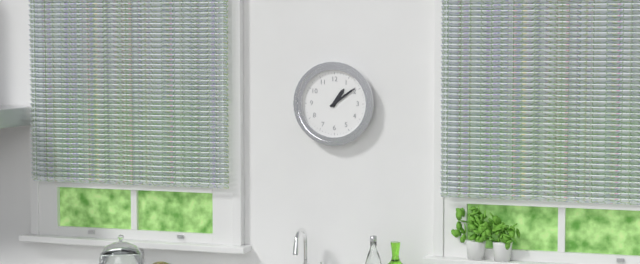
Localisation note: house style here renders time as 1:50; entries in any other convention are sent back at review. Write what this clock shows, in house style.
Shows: 1:09
